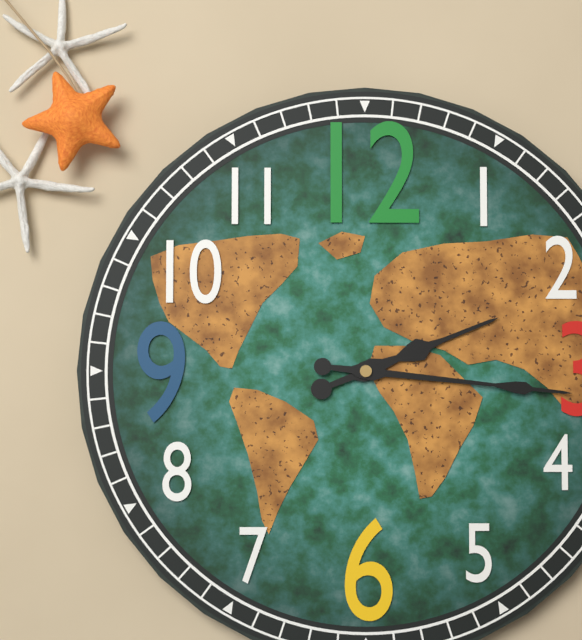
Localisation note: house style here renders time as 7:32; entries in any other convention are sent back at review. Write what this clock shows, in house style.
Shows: 2:16
